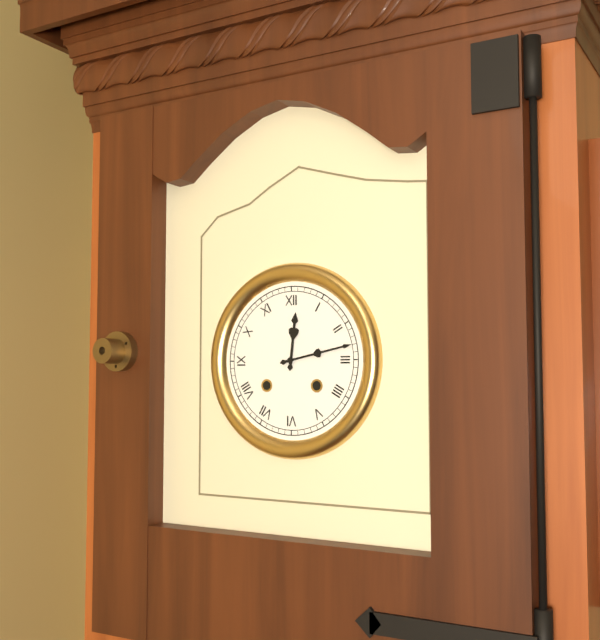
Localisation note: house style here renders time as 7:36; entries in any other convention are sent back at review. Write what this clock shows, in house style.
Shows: 12:13
